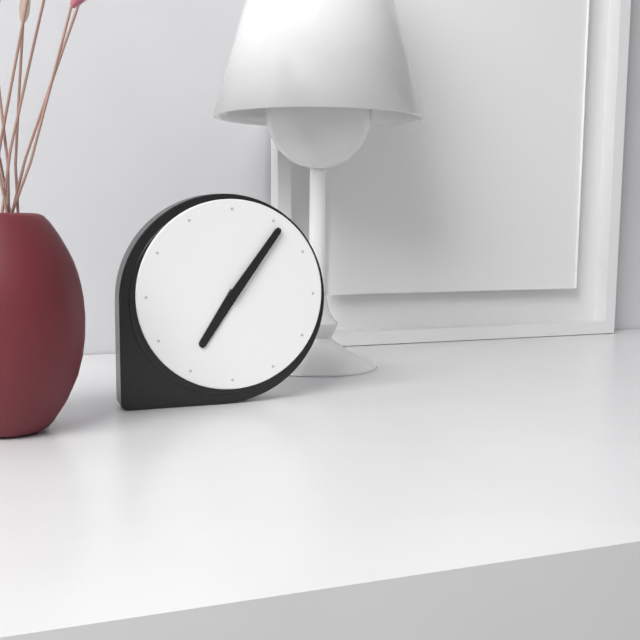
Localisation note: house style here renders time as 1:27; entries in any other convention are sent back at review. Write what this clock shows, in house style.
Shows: 7:06
